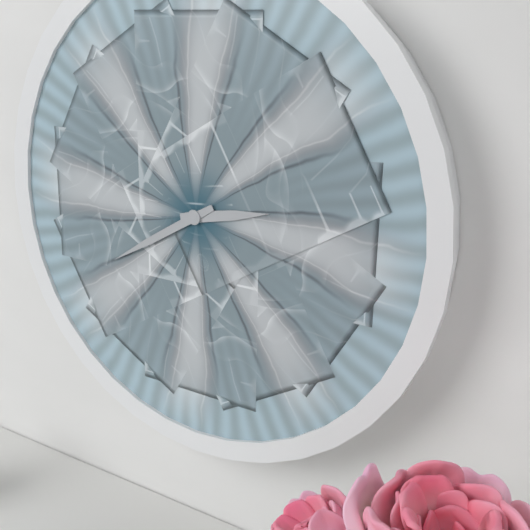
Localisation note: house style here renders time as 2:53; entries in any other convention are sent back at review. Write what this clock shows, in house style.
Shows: 2:40
